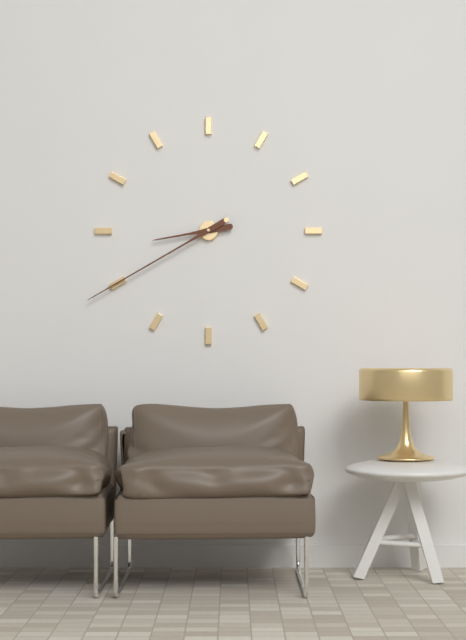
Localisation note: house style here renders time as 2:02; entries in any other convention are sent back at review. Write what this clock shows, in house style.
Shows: 8:40
